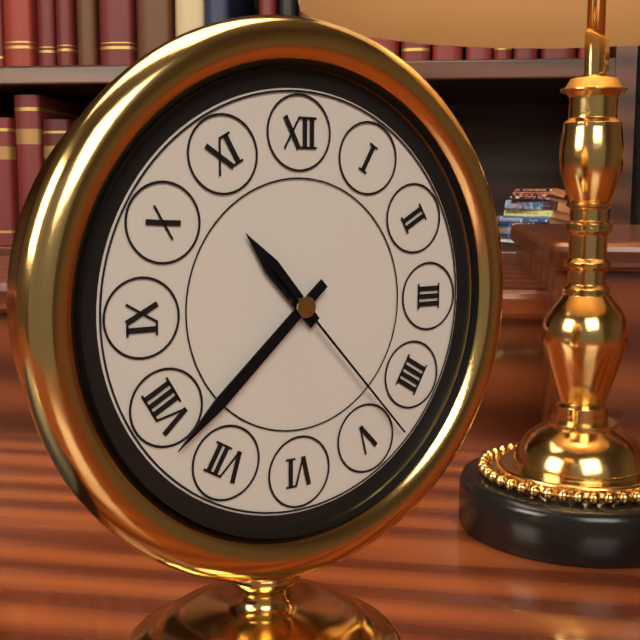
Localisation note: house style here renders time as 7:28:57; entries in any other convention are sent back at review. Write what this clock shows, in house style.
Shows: 10:38:23
